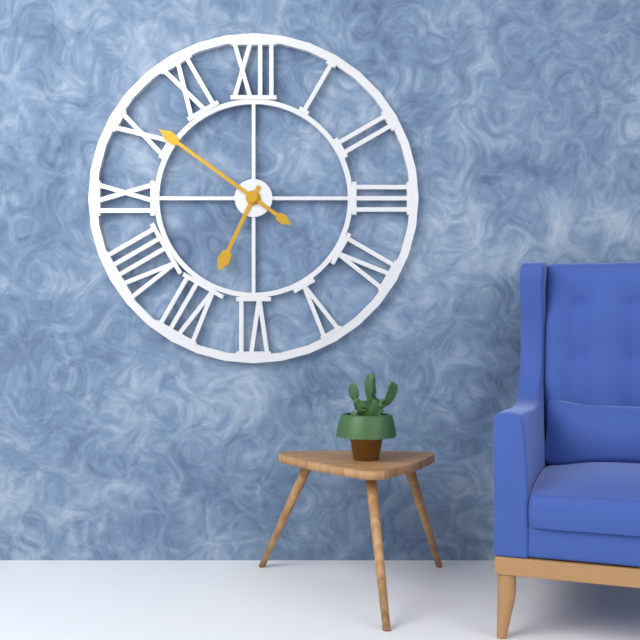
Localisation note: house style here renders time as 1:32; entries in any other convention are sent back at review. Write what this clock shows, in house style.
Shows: 6:51
